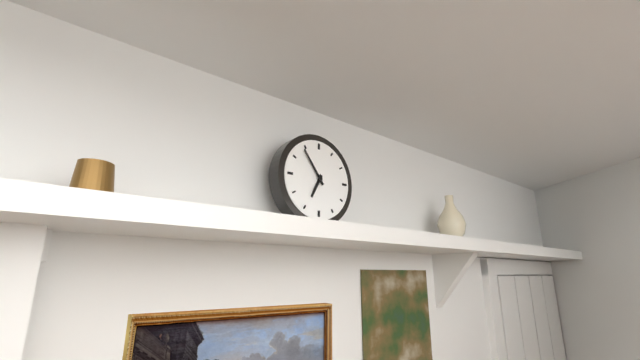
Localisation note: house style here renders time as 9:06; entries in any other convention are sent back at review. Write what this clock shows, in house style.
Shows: 6:54
